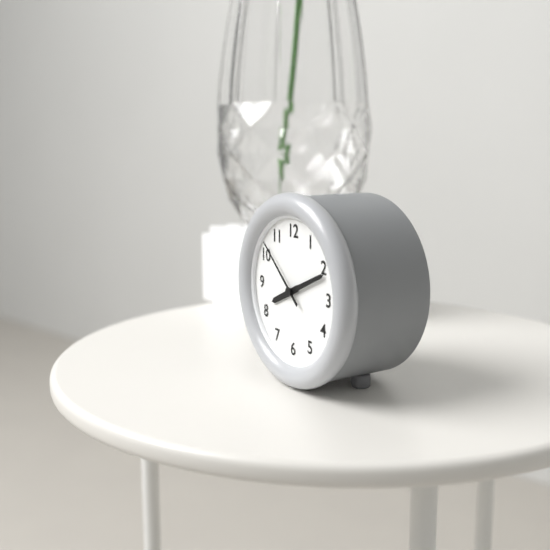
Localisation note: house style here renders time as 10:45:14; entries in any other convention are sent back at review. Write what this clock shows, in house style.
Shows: 8:11:52
